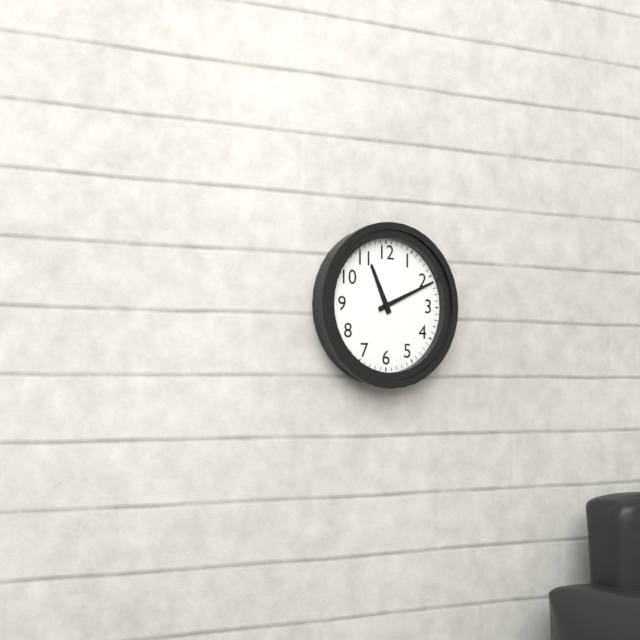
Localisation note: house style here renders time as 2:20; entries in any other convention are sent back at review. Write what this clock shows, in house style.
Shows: 11:11
